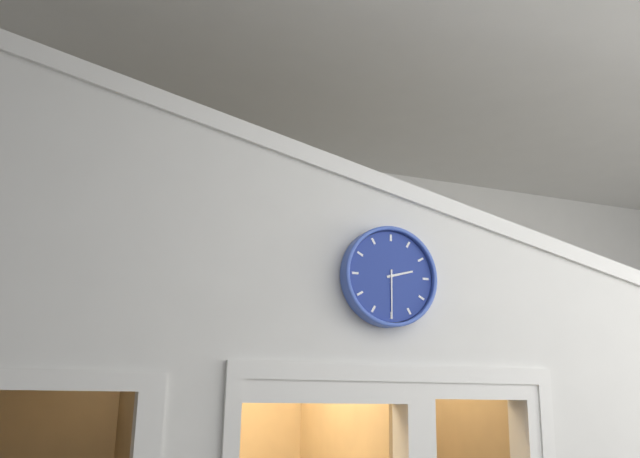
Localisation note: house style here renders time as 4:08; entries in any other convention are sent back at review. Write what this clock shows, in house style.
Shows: 2:30
